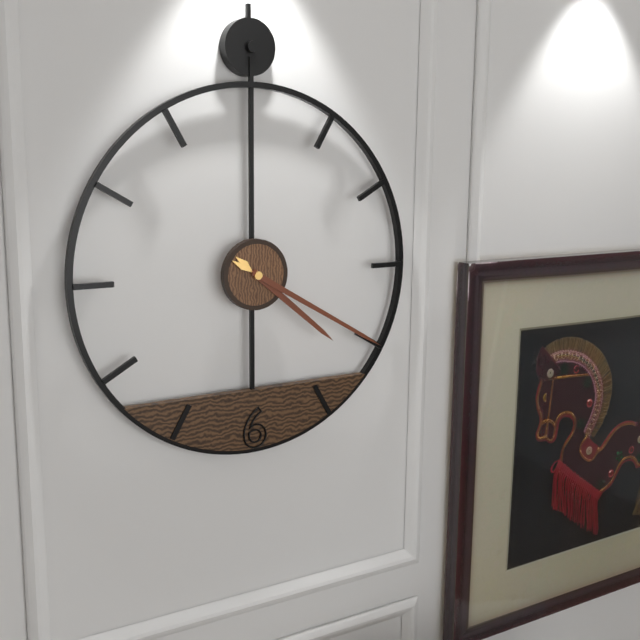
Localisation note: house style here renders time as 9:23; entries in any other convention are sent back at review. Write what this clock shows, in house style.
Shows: 4:20
